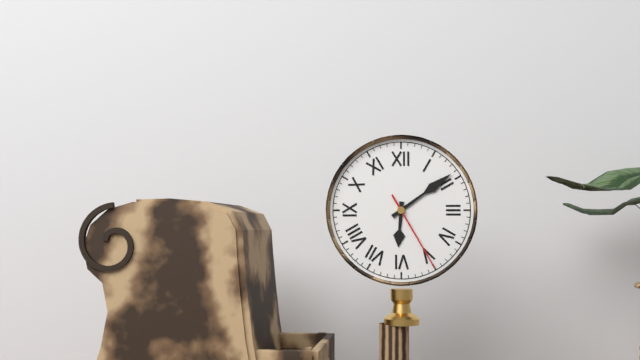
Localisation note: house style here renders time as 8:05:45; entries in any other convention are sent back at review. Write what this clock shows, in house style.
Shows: 6:09:25
